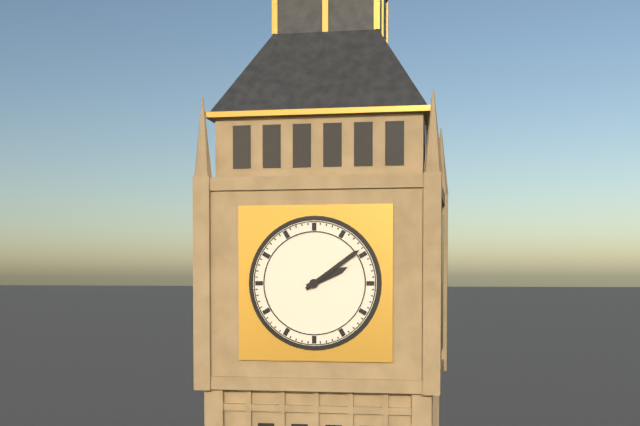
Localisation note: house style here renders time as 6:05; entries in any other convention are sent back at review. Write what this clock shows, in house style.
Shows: 2:09
